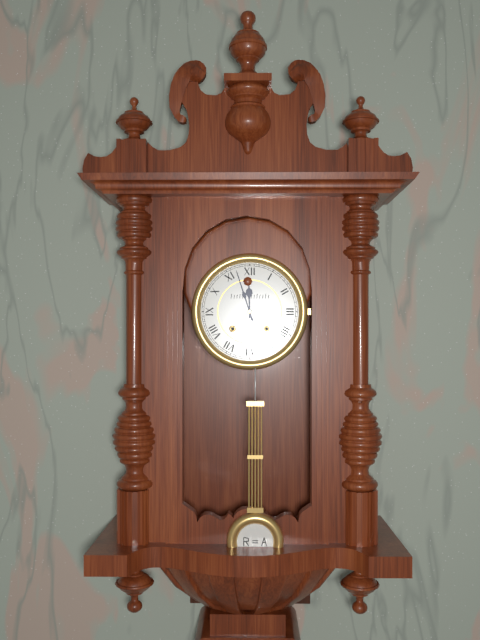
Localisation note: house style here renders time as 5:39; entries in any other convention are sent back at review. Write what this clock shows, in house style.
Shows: 11:57
